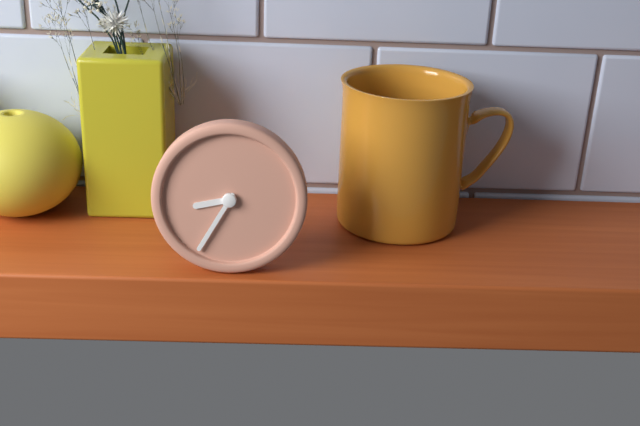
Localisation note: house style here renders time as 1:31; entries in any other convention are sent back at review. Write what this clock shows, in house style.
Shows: 8:35
